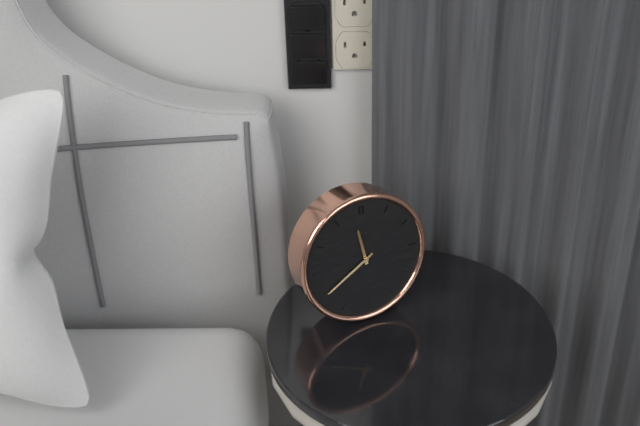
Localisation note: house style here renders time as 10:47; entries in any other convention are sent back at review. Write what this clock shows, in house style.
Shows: 11:40
